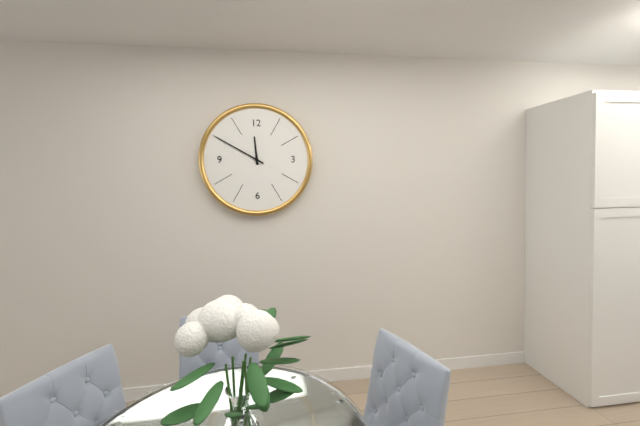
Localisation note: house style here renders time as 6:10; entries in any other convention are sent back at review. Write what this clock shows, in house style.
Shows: 11:50
